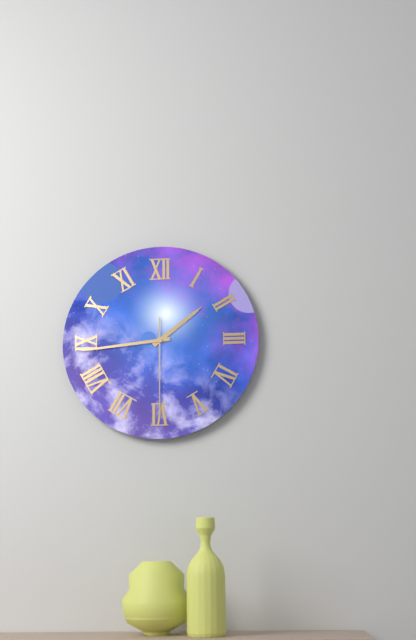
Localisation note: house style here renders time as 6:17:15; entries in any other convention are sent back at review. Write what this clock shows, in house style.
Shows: 1:44:30
